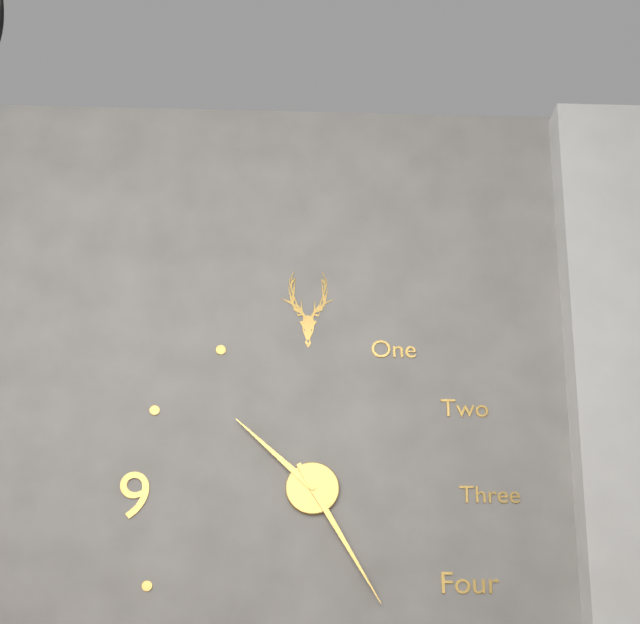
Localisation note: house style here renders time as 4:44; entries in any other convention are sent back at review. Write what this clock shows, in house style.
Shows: 10:25
